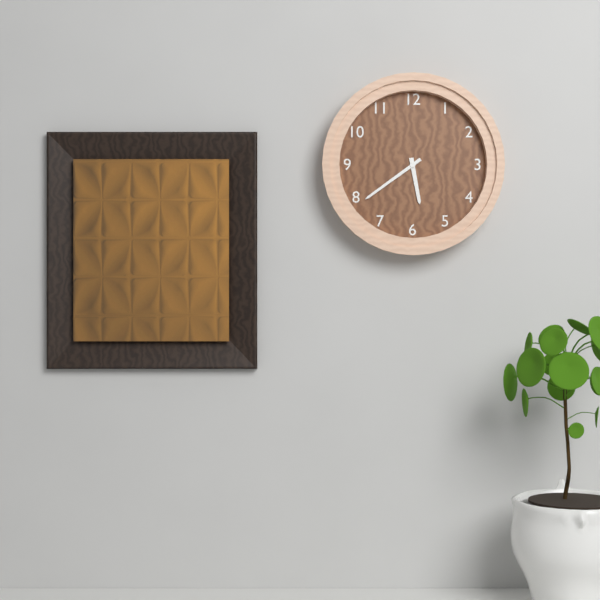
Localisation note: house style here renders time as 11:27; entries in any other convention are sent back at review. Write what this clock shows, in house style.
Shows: 5:39
